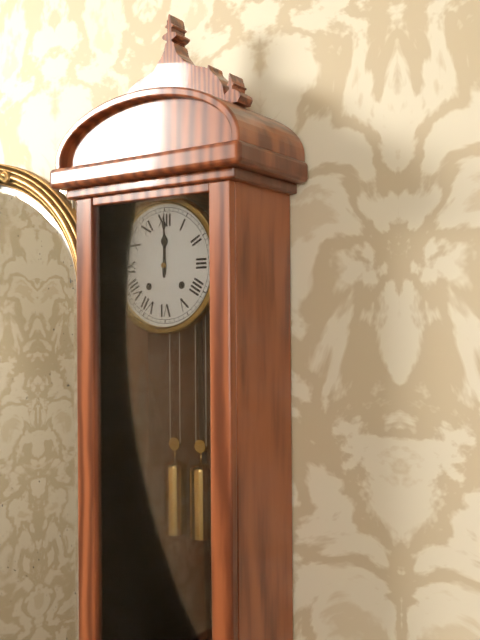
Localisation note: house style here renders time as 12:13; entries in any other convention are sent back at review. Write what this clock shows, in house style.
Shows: 12:00
